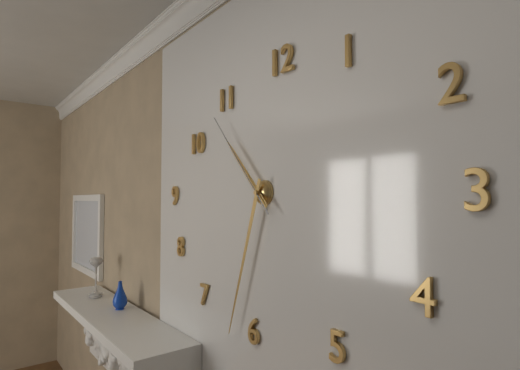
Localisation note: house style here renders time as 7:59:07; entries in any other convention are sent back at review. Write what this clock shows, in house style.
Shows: 10:33:53
